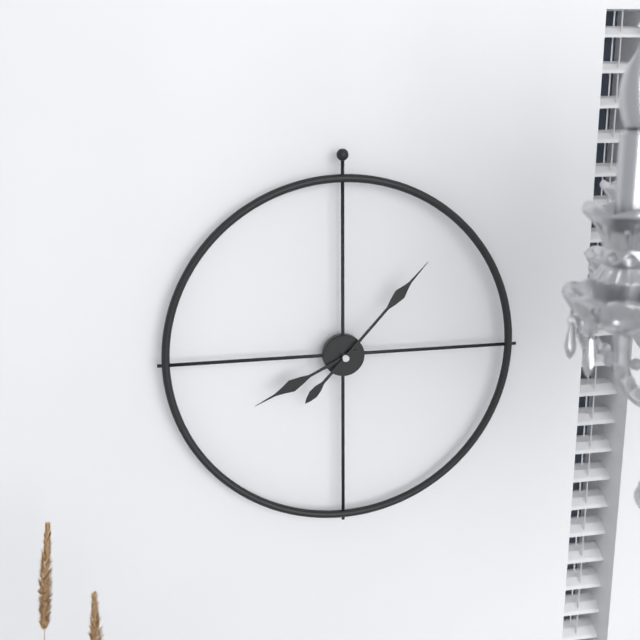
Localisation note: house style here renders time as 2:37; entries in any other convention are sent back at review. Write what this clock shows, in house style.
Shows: 8:07
